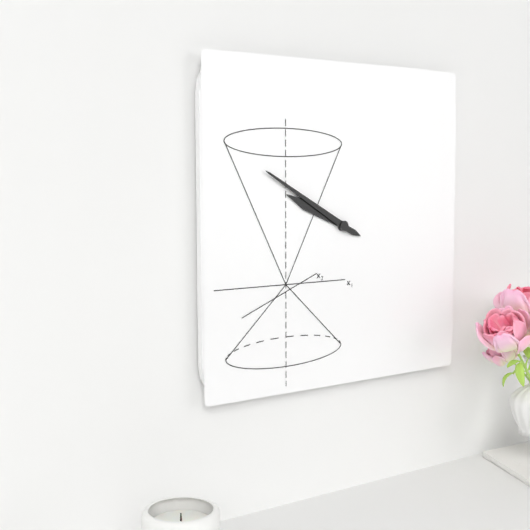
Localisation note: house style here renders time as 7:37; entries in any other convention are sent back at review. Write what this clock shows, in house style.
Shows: 9:50
